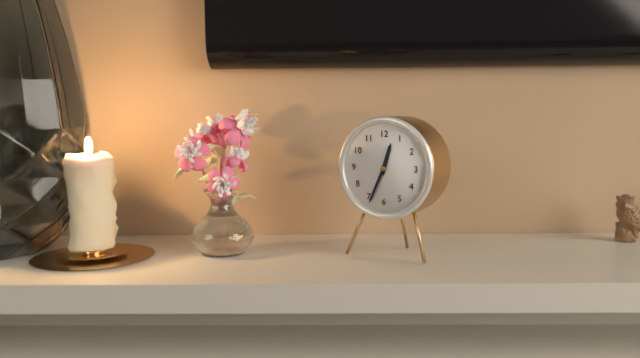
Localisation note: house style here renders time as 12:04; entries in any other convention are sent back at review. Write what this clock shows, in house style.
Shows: 12:34
